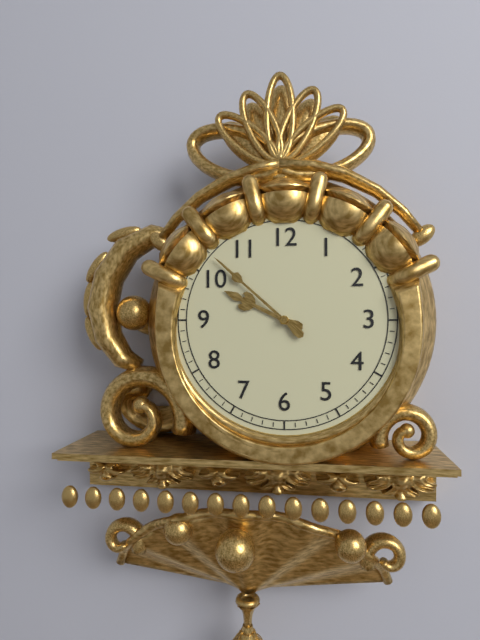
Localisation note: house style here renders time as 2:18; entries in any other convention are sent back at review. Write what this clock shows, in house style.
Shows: 9:52
